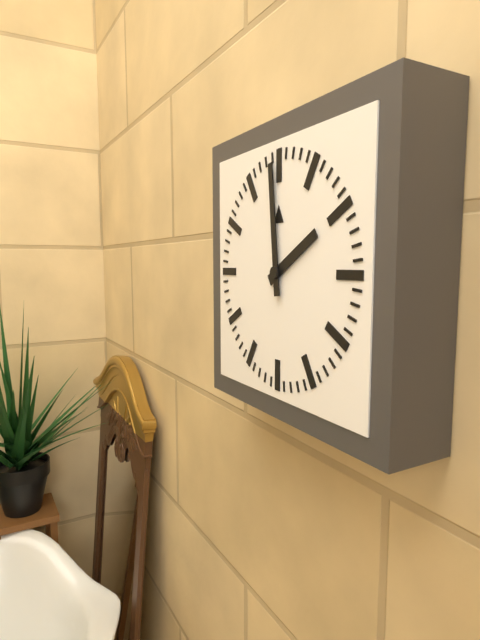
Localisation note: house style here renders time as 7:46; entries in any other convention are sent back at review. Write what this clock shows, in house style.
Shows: 1:59
